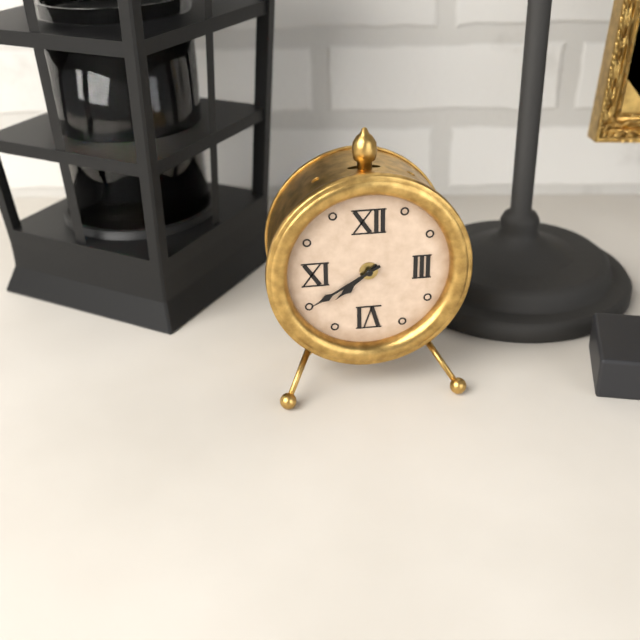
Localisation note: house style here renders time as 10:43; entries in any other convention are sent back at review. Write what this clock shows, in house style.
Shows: 7:40
